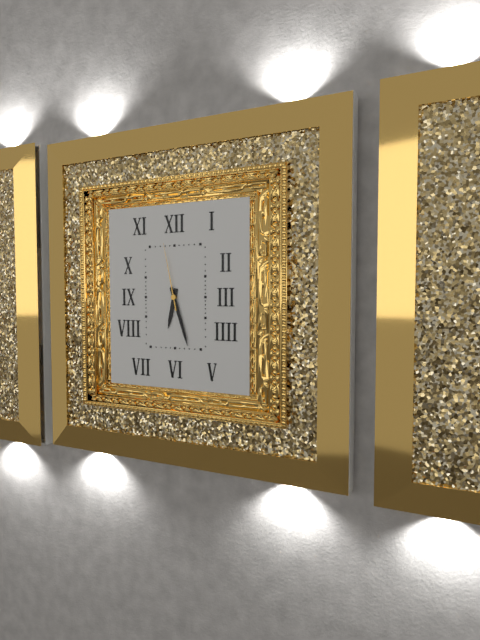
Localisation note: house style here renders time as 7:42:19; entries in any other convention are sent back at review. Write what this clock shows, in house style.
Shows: 6:27:58
